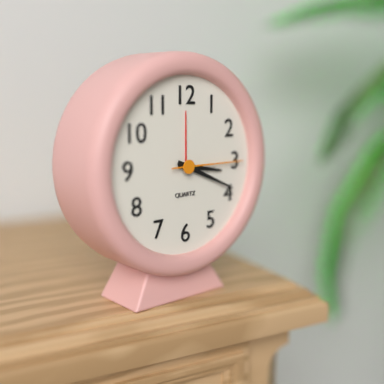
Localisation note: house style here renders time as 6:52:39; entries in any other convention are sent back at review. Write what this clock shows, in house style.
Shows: 3:19:15
